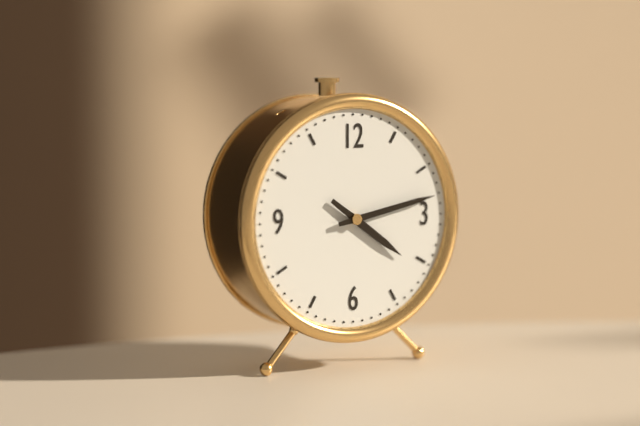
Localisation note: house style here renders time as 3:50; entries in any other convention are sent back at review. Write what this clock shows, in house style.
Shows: 4:13
